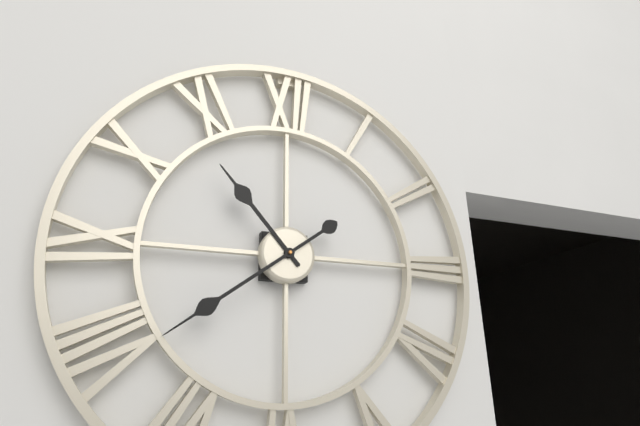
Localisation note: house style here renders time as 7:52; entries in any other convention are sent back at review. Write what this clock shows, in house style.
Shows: 10:39
